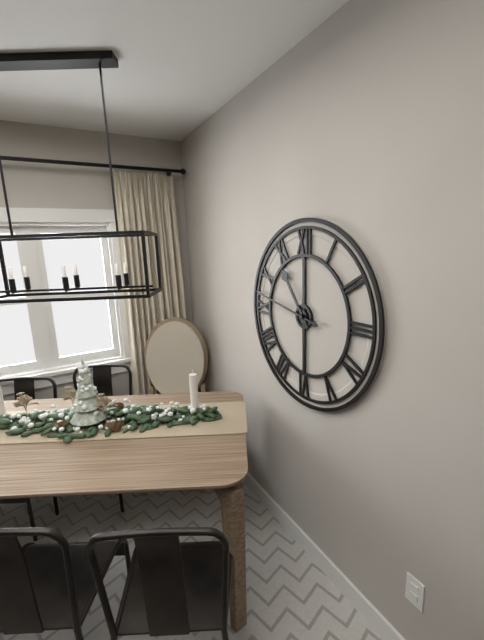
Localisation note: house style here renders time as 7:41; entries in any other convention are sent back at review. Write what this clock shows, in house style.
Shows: 10:47
